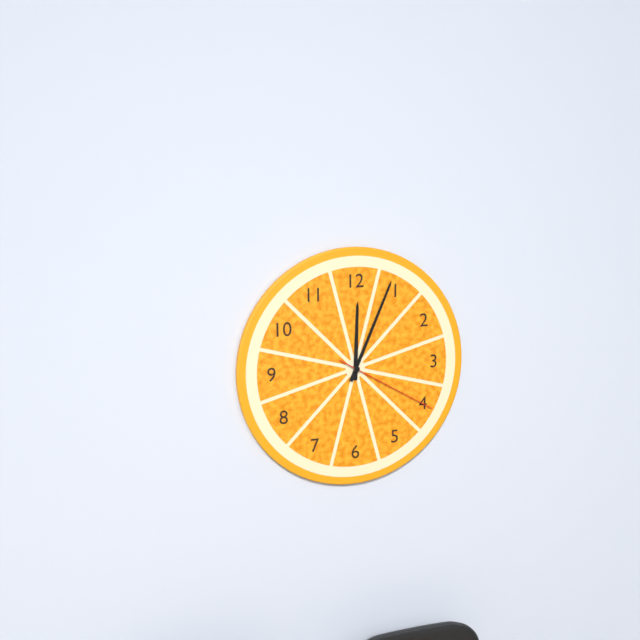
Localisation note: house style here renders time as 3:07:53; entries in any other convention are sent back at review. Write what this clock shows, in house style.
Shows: 12:04:20
